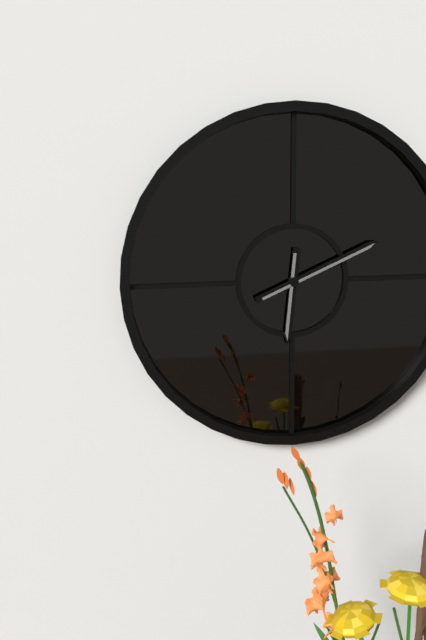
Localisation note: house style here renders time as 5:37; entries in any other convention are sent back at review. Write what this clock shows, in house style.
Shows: 6:11
